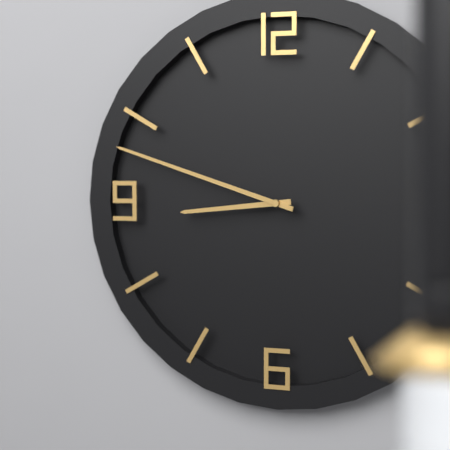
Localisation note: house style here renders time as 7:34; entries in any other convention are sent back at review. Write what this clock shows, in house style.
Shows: 8:48
